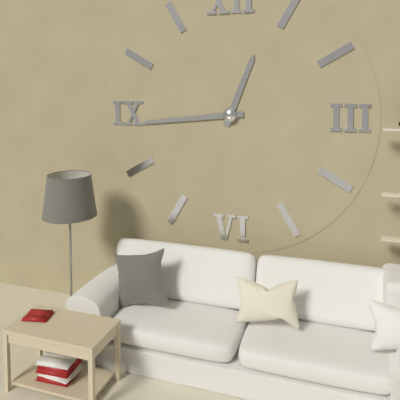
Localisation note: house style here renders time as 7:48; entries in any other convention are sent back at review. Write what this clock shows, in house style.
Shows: 12:44
